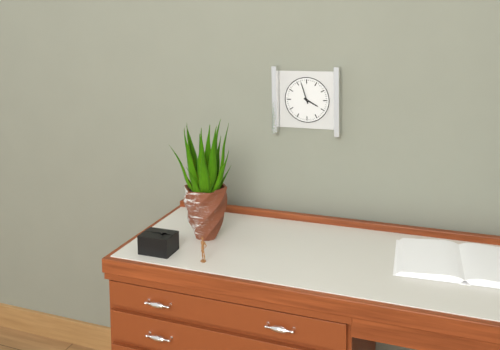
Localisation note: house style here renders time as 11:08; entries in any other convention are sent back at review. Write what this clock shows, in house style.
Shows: 3:57
